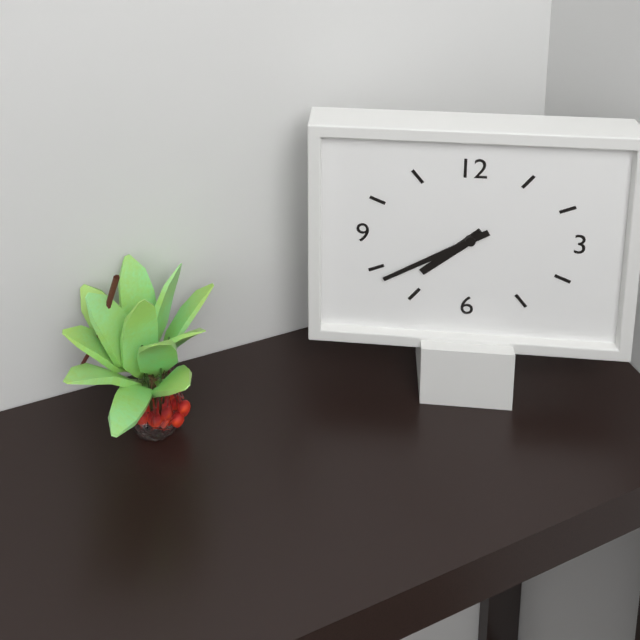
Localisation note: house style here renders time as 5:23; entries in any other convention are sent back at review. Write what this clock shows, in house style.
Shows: 7:40
